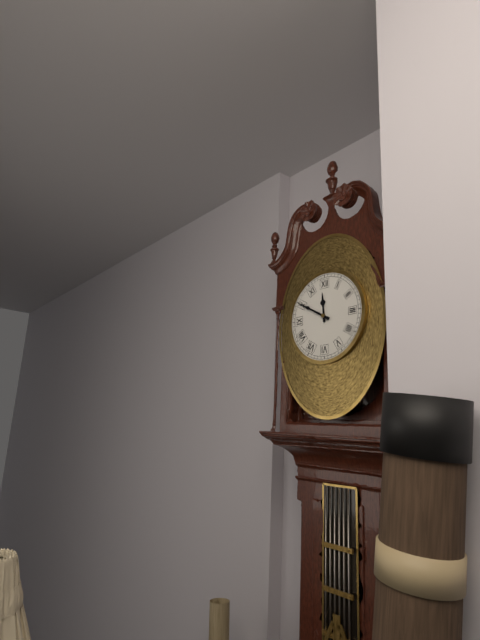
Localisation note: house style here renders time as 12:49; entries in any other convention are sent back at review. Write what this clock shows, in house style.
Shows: 11:50
